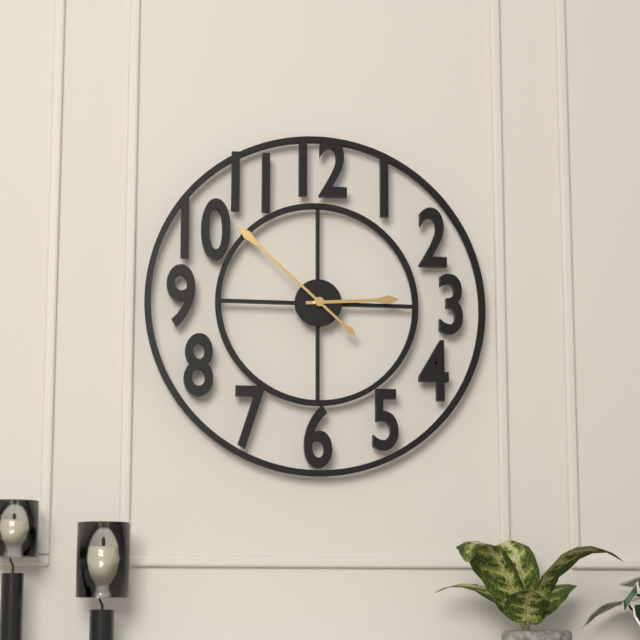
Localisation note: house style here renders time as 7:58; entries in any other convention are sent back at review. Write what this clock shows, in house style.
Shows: 2:52
